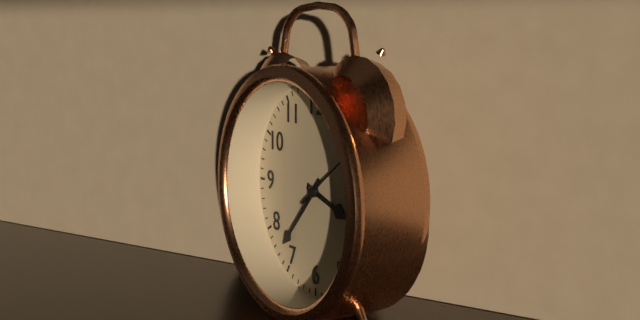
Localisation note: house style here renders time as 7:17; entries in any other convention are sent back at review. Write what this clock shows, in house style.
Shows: 3:37
